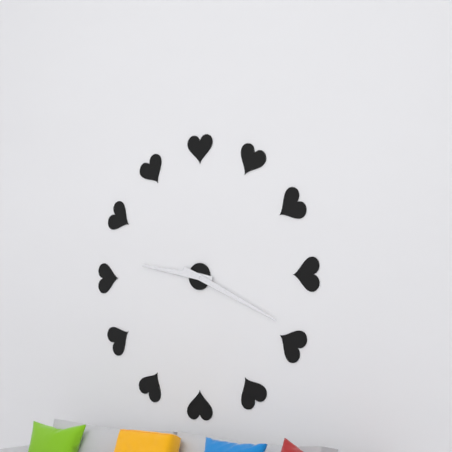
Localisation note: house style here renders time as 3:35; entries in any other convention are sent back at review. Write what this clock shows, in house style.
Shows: 9:19
